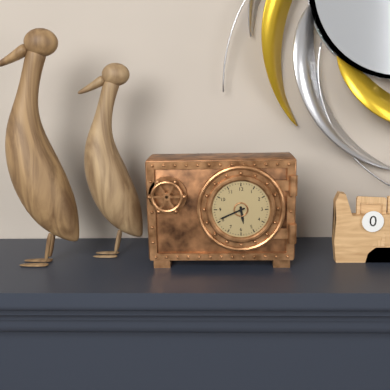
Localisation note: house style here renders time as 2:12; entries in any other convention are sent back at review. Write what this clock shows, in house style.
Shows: 5:41
